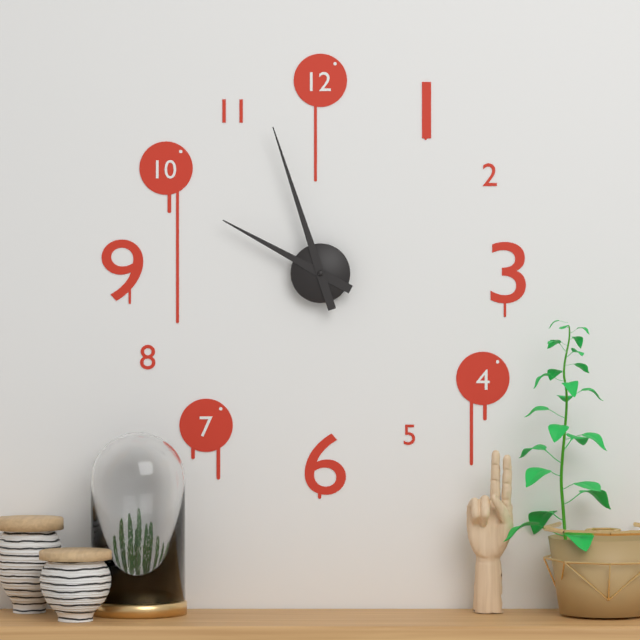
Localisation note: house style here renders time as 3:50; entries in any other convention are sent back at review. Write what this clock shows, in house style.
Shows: 9:57
